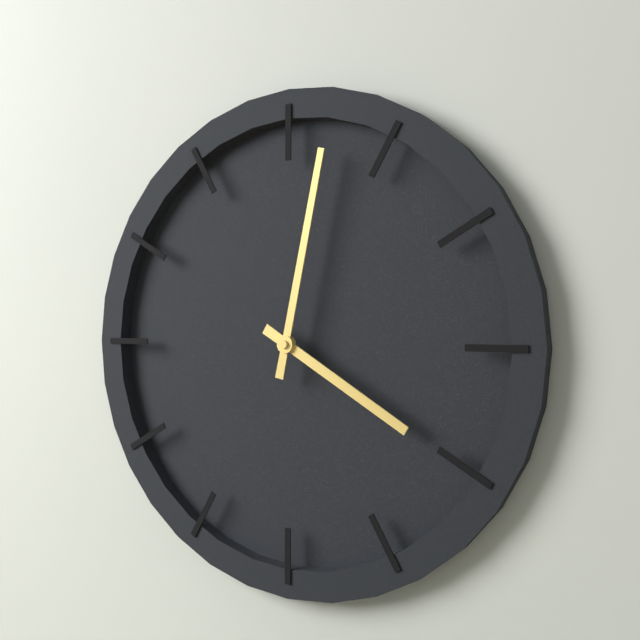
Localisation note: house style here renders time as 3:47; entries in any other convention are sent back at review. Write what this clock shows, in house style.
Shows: 4:02
